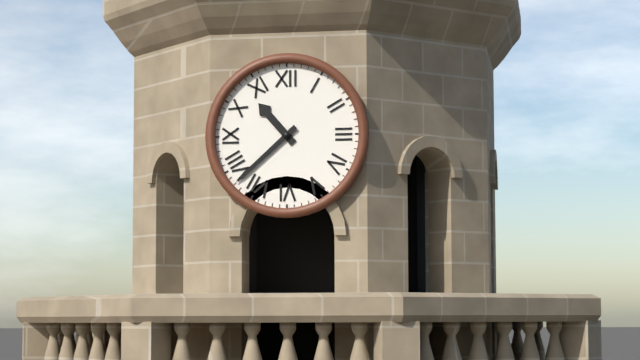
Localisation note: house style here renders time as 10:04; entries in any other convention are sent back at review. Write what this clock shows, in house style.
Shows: 10:38
